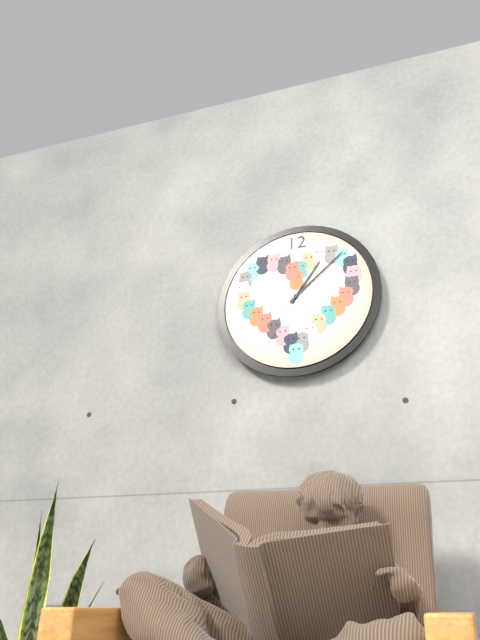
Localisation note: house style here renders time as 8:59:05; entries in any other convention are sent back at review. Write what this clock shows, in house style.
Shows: 1:08:35
